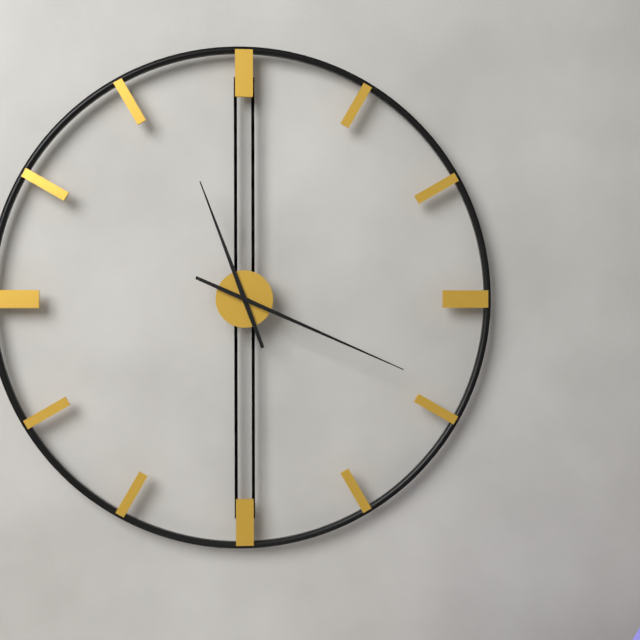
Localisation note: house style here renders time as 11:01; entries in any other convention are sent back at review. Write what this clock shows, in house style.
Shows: 11:19
